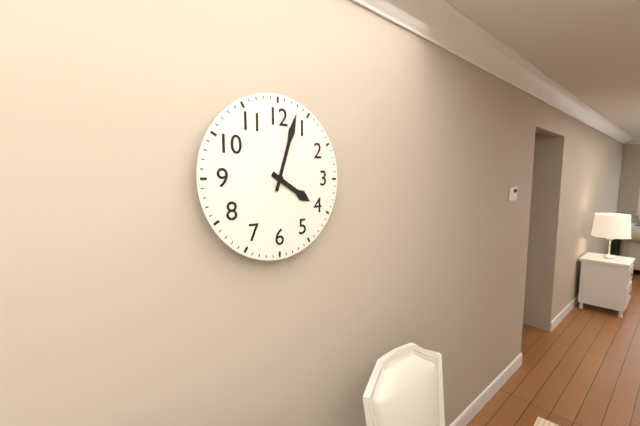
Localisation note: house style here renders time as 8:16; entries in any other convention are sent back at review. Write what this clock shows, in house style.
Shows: 4:03
